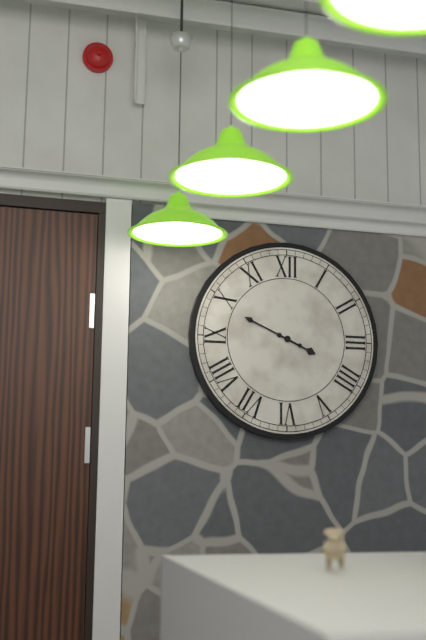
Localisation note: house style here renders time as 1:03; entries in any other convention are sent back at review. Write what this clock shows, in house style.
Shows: 3:49
